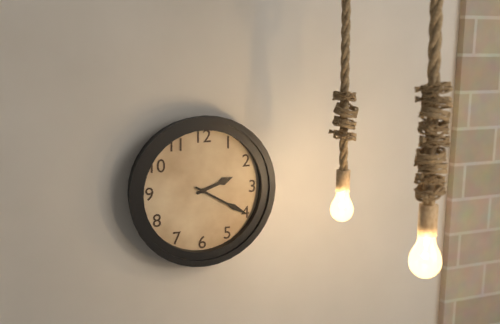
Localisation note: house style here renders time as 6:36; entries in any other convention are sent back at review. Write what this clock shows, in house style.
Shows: 2:20
